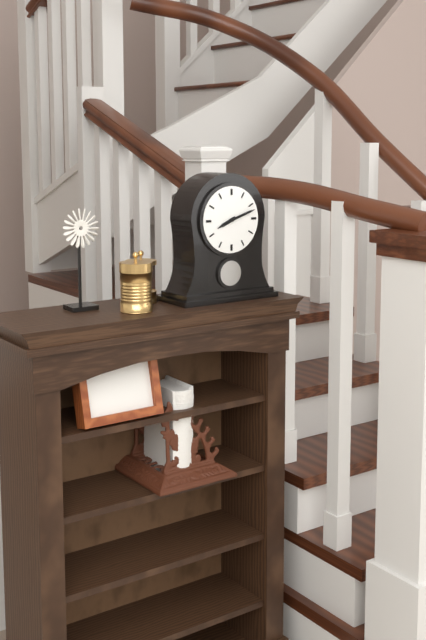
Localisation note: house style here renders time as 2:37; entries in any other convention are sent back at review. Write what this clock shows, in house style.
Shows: 8:12
